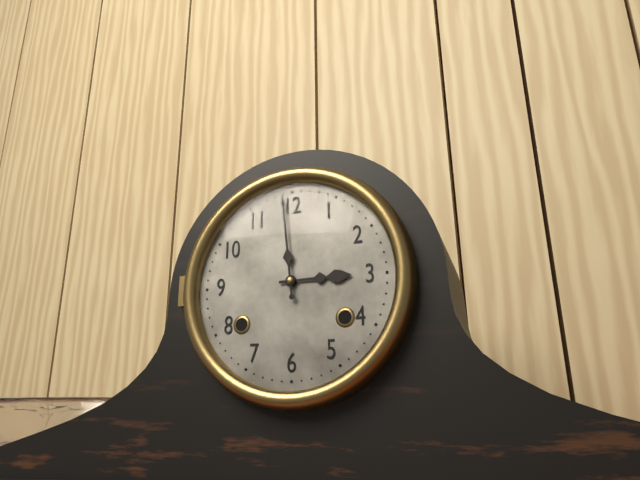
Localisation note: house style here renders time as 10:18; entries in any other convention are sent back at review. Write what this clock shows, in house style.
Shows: 2:59
